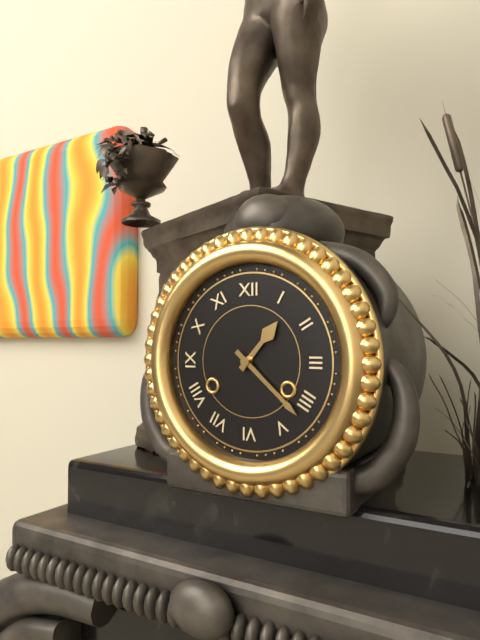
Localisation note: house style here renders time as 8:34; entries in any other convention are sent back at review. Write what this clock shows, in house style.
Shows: 1:22
